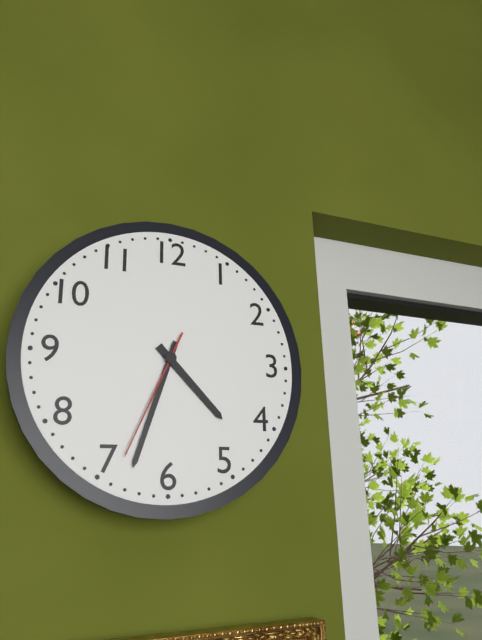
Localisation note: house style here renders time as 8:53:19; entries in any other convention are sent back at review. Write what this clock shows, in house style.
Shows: 4:33:34
